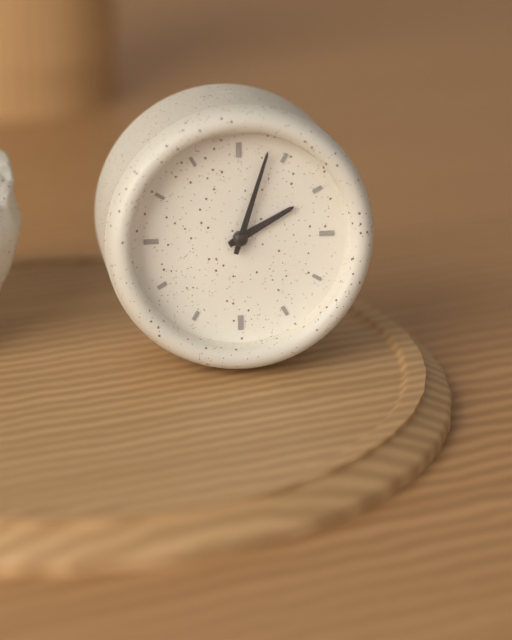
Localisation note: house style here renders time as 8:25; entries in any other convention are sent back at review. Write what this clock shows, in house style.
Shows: 2:03
